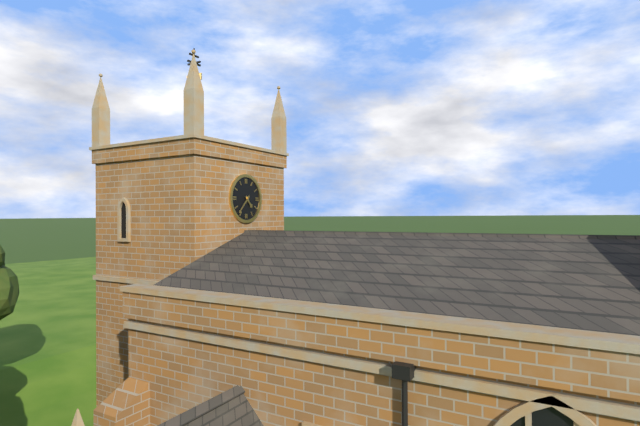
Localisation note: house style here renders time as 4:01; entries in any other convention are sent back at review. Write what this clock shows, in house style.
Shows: 4:37
